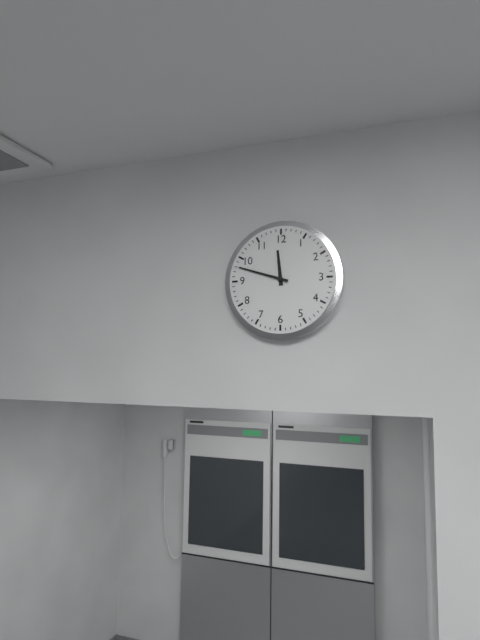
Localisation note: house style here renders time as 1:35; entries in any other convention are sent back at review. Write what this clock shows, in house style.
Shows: 11:48
